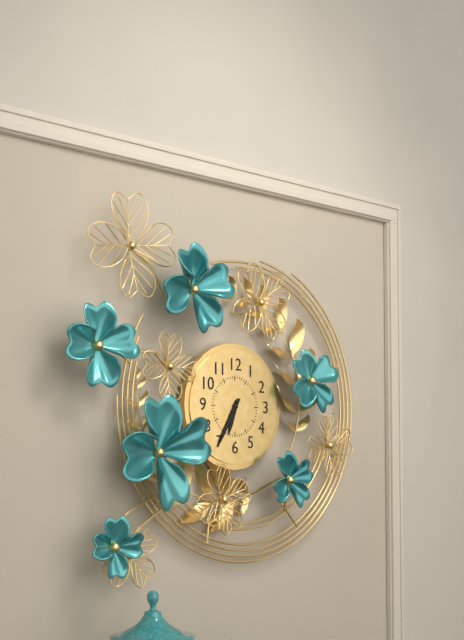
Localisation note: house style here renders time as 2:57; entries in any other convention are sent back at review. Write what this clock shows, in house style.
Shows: 6:35
